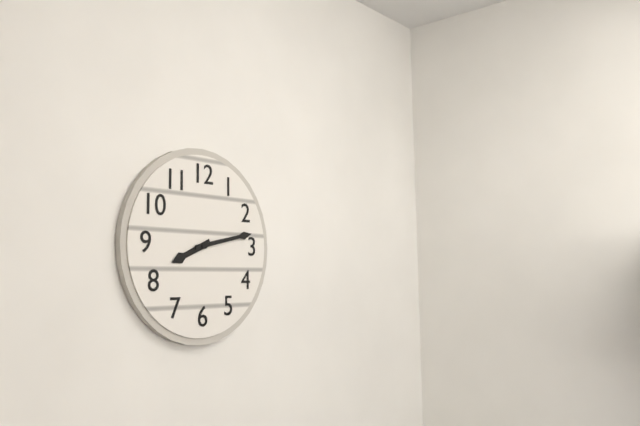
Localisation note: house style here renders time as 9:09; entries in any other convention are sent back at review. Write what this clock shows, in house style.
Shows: 8:13
